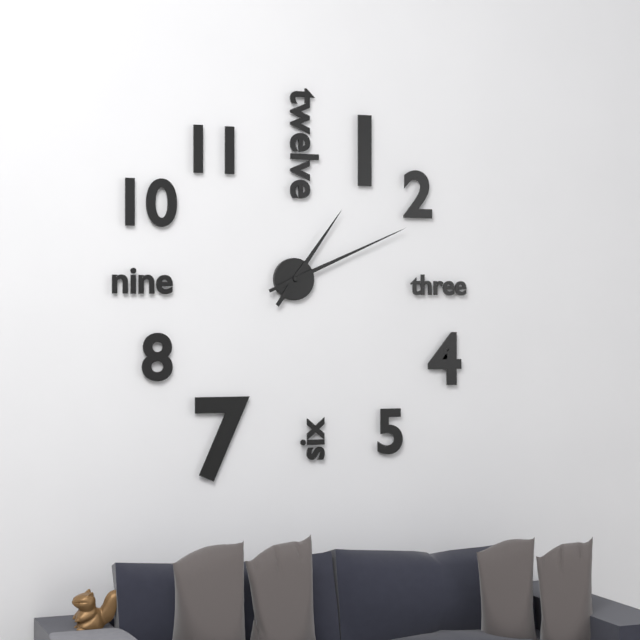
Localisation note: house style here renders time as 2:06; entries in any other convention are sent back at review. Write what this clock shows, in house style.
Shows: 1:11
